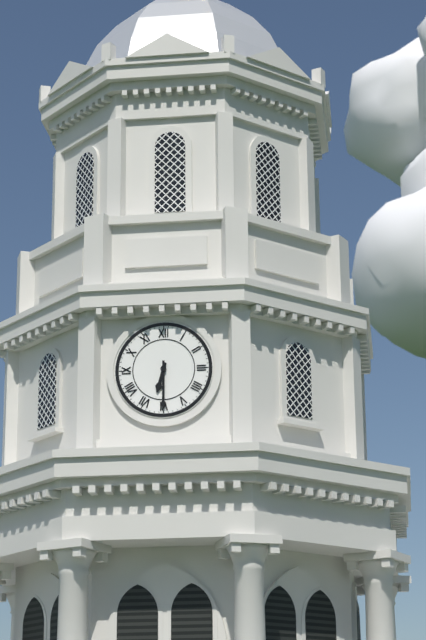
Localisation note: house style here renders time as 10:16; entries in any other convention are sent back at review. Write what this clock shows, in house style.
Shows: 6:30
